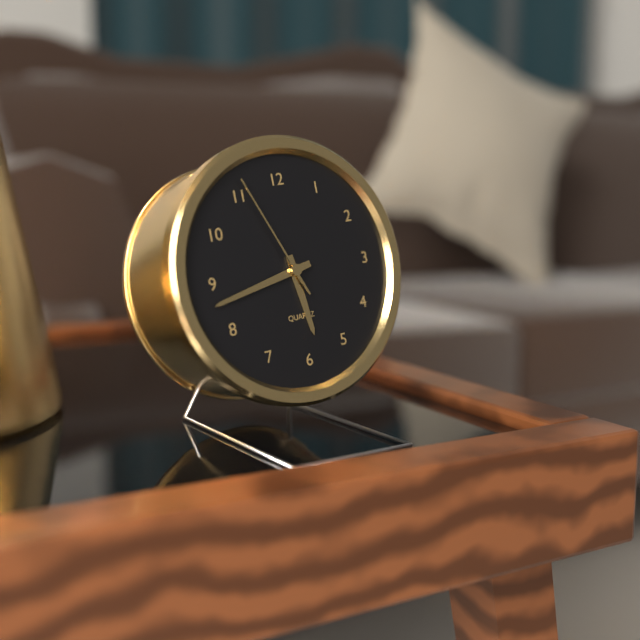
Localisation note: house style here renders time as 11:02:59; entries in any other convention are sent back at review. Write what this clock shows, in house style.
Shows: 5:43:56
